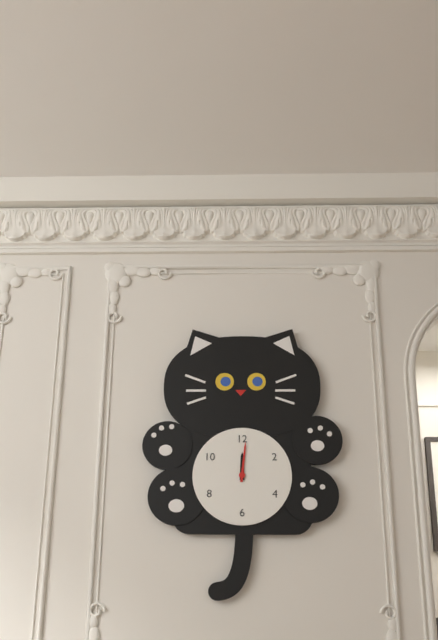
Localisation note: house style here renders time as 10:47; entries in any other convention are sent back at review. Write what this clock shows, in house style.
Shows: 12:01
